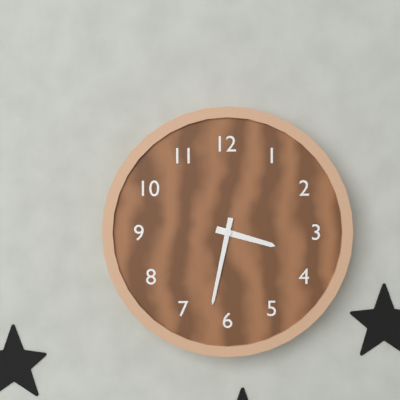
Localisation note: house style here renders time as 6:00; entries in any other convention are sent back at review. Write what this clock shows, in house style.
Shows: 3:32
